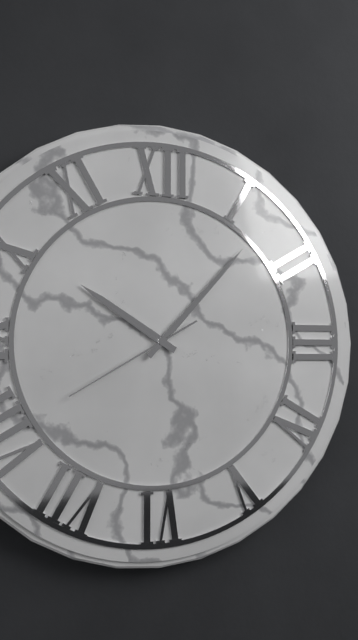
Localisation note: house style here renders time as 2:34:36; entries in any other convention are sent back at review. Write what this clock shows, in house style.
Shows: 10:07:40
